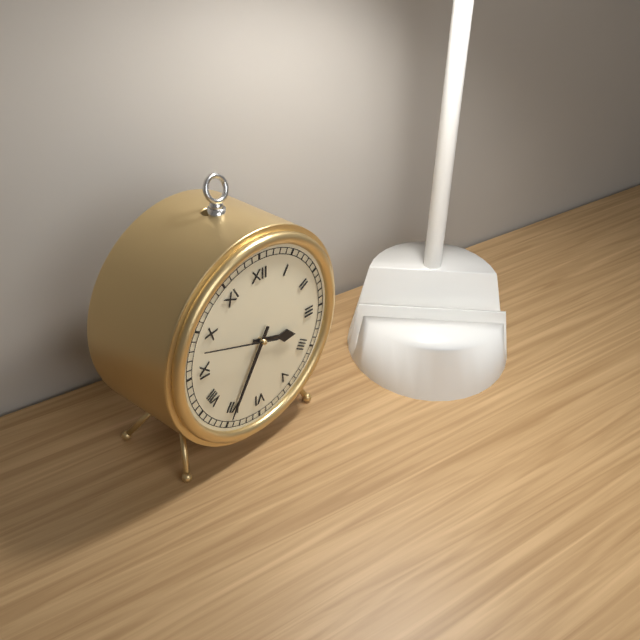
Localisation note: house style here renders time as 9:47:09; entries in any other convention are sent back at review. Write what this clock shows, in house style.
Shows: 3:35:48
